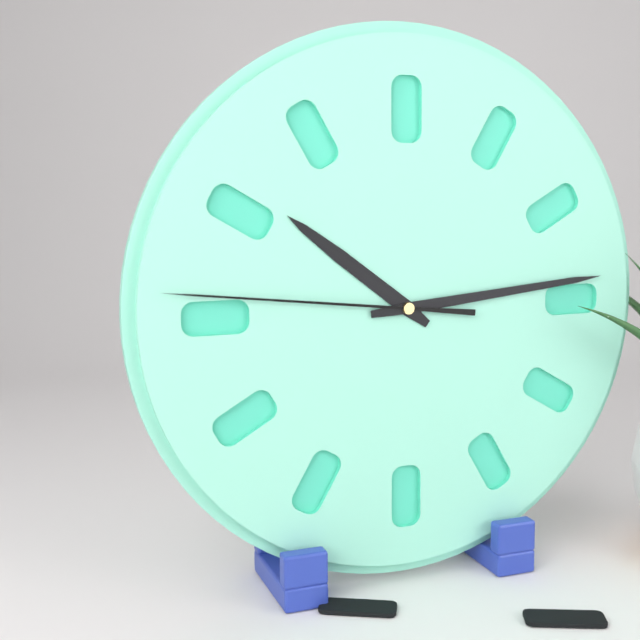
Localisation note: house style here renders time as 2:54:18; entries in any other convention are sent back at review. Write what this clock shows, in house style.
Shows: 10:14:46
